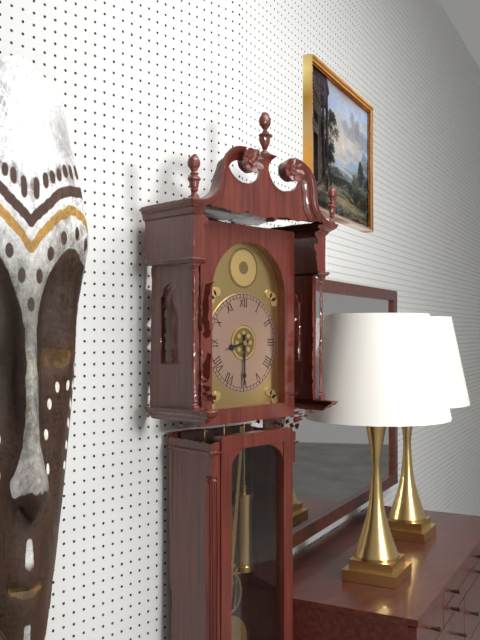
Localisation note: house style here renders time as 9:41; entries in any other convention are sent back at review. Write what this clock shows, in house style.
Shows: 8:30
